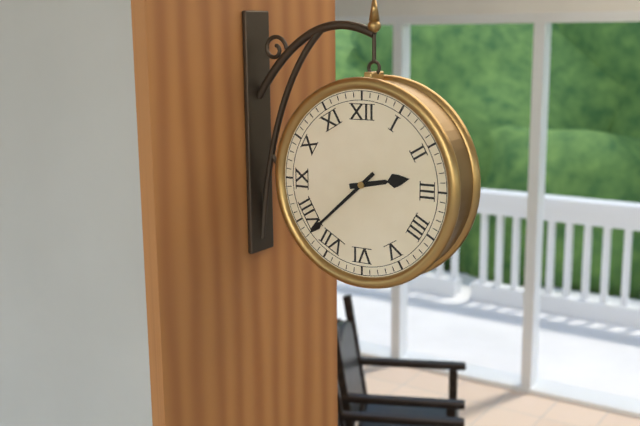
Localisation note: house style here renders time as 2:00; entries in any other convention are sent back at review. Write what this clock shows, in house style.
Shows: 2:38
